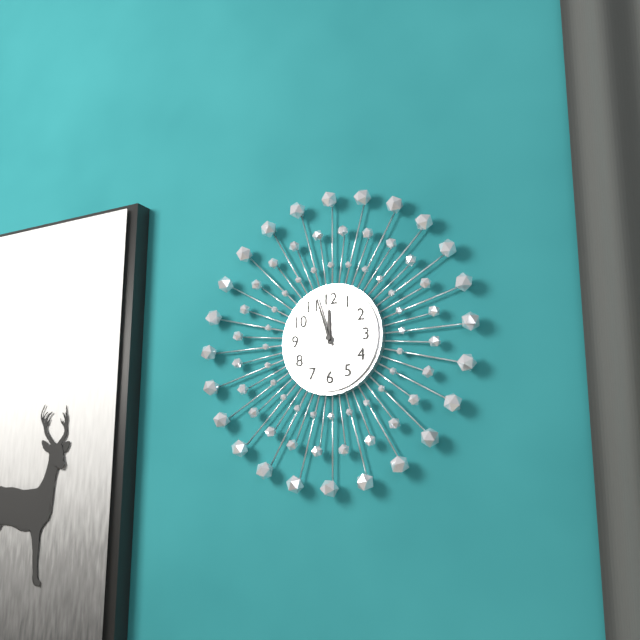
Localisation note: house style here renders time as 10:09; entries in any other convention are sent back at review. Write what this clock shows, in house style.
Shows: 11:57
